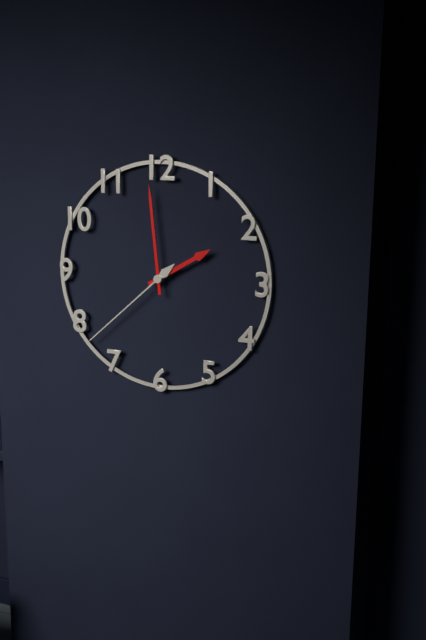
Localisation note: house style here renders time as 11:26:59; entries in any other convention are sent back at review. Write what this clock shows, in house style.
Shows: 1:59:38
